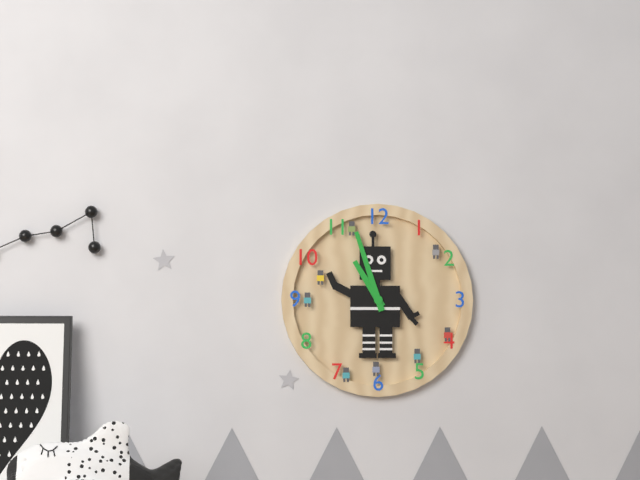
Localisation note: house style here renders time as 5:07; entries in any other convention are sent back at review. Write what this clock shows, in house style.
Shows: 10:57
